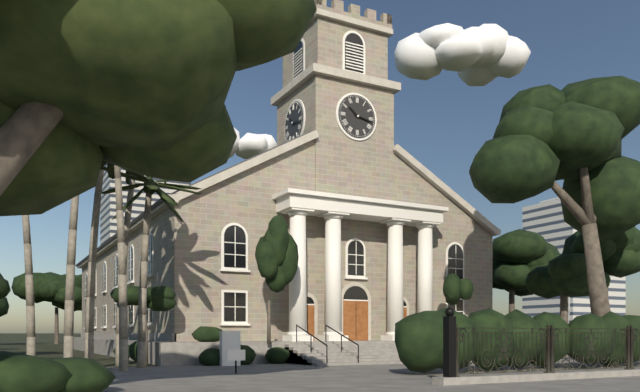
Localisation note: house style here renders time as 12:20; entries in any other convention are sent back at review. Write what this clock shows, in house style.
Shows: 10:17
